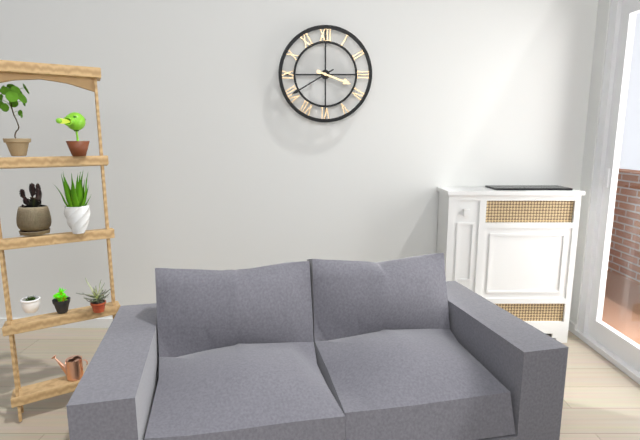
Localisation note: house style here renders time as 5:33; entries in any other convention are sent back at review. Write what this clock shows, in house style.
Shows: 3:40
